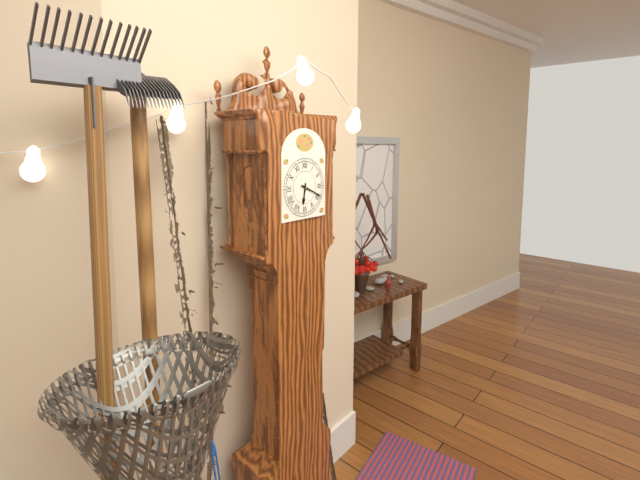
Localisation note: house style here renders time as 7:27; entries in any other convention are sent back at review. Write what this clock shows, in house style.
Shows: 6:19
